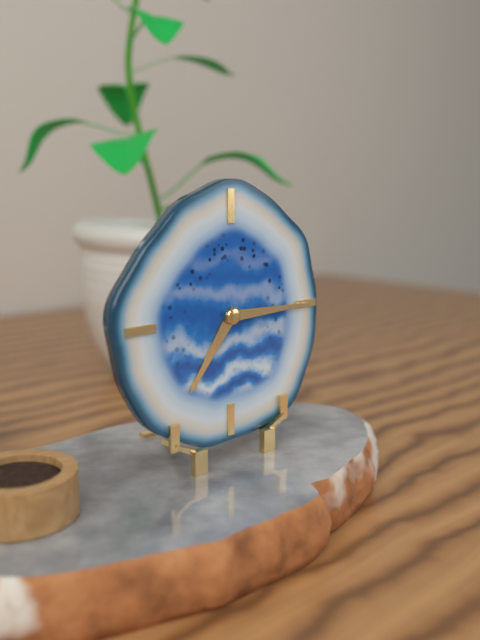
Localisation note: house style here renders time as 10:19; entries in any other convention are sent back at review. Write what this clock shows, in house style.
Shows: 7:15
